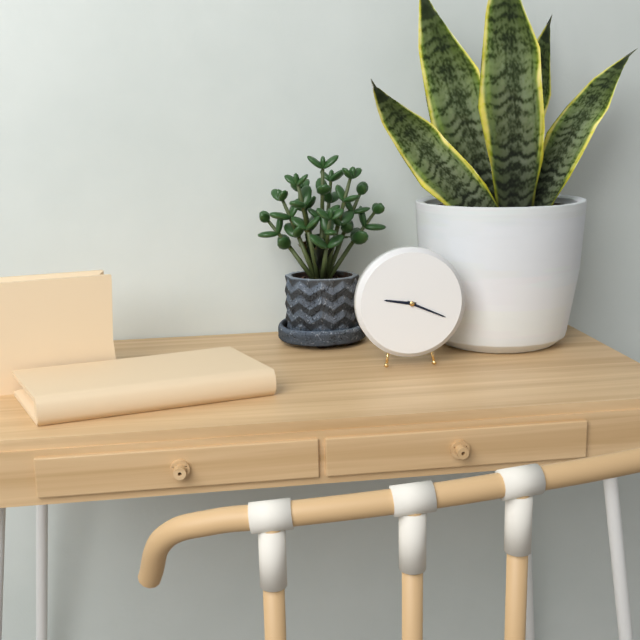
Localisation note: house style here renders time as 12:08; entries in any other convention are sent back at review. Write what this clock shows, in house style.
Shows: 9:19
